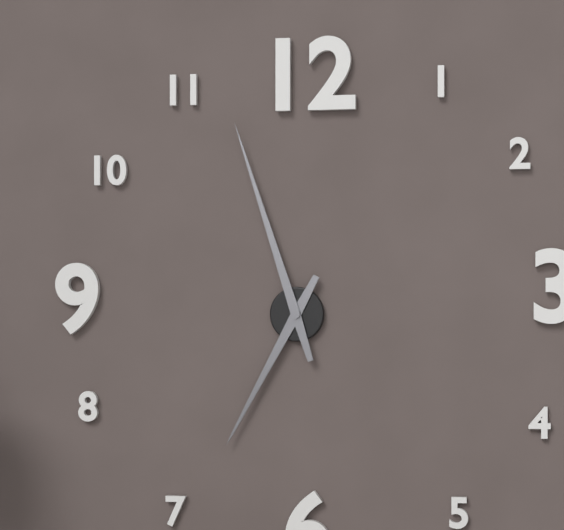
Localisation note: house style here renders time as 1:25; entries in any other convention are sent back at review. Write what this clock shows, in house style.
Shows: 6:57
